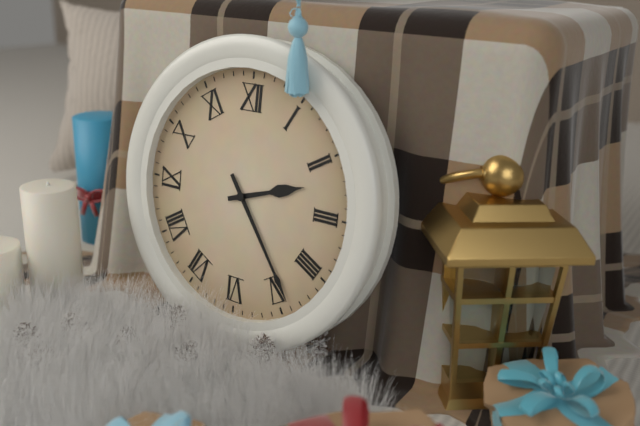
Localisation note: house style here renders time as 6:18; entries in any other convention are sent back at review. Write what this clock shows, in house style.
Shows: 2:24
